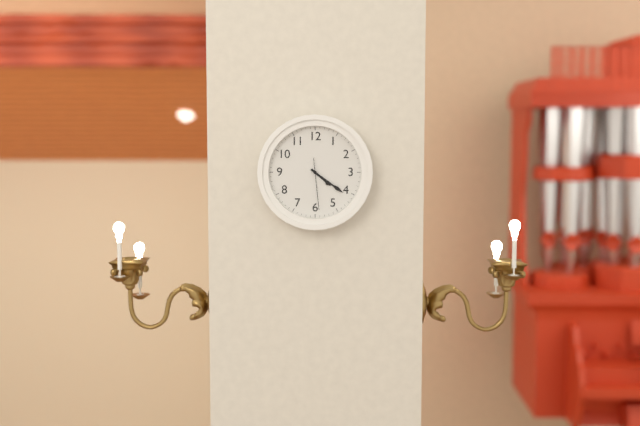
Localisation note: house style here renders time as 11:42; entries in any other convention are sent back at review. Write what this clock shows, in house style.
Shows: 4:21
